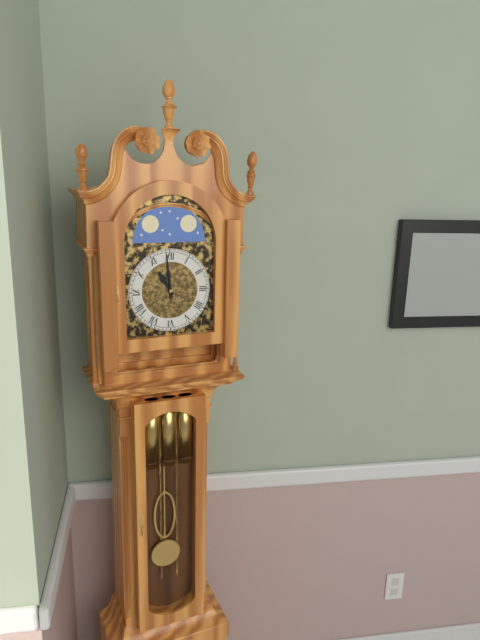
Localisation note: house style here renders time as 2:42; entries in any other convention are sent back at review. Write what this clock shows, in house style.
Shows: 10:59
